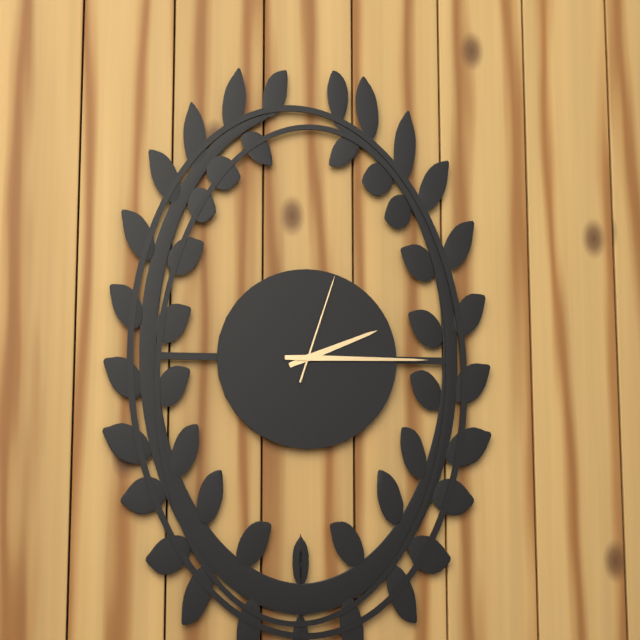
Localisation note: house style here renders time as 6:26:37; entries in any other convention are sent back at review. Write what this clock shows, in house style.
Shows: 2:15:03
